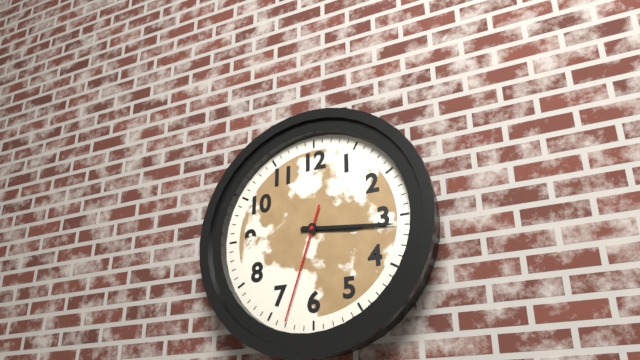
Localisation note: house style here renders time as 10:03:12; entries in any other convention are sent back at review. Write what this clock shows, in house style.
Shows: 3:16:33
